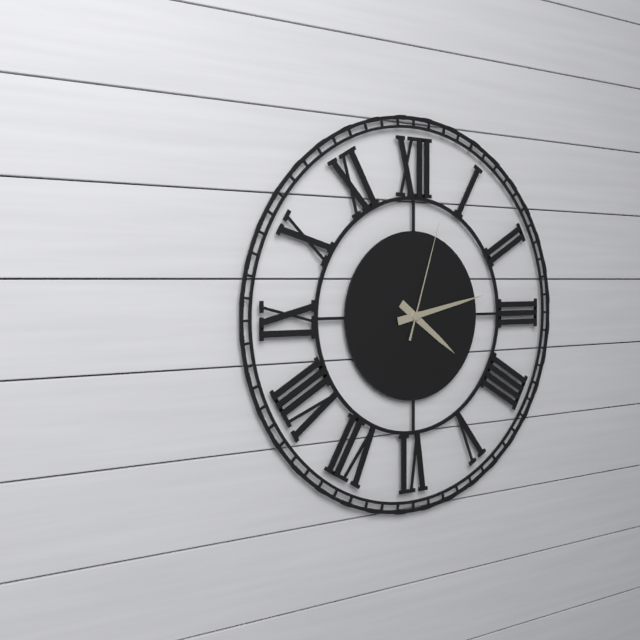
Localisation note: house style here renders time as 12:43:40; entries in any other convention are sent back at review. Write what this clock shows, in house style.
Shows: 4:13:03
